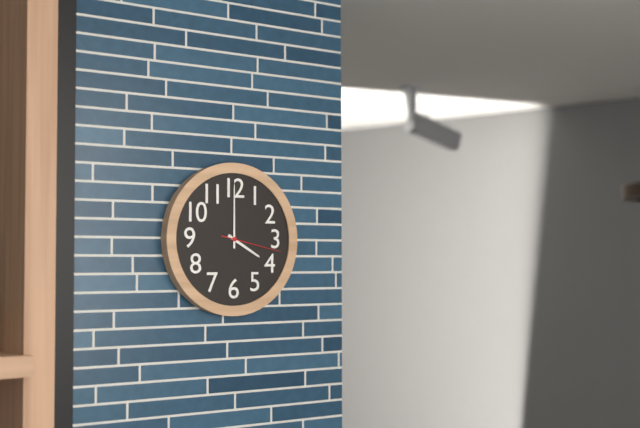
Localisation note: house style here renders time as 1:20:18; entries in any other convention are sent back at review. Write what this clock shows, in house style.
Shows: 4:00:17
